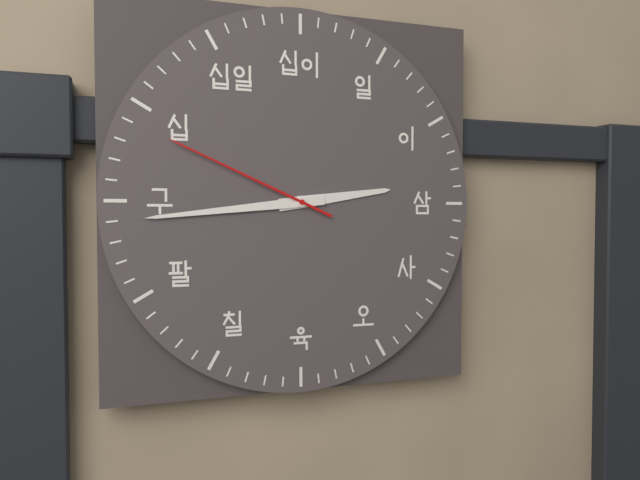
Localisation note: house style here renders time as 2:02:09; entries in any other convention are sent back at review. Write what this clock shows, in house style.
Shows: 2:44:49
